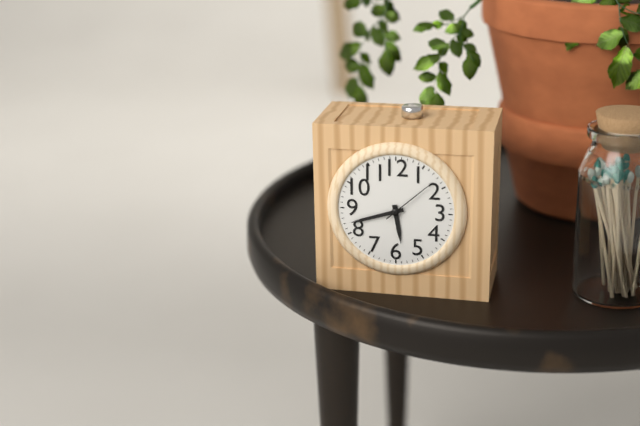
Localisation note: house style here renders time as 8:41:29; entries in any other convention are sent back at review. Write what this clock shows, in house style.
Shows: 5:42:08
